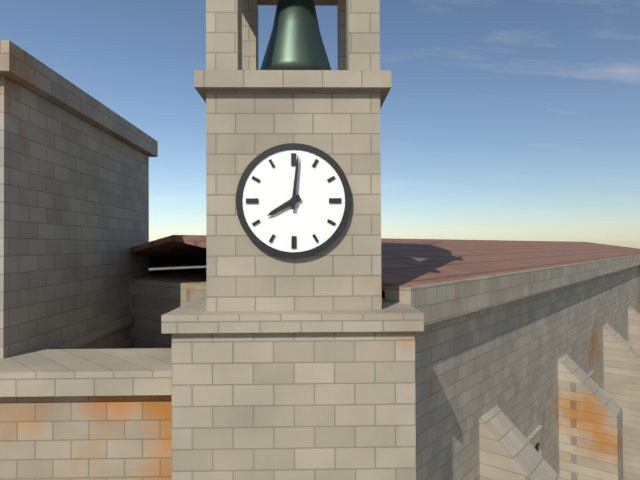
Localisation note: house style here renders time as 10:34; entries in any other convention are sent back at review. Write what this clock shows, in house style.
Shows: 8:01
